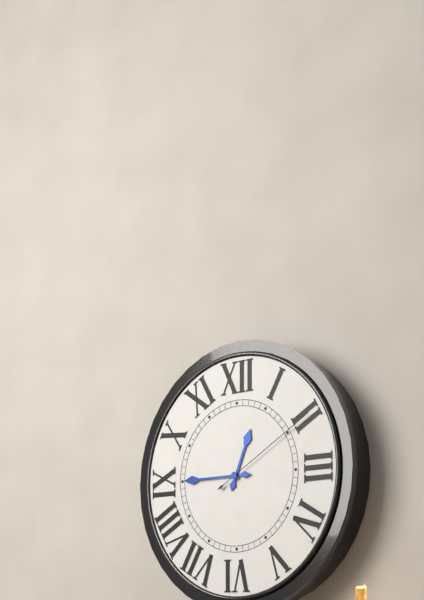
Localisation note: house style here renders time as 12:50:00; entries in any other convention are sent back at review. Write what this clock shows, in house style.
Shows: 12:45:10
